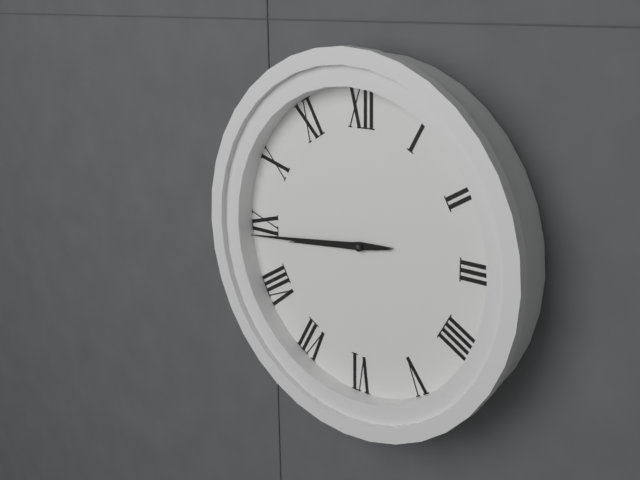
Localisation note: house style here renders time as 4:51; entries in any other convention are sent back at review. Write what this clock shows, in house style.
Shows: 8:44
